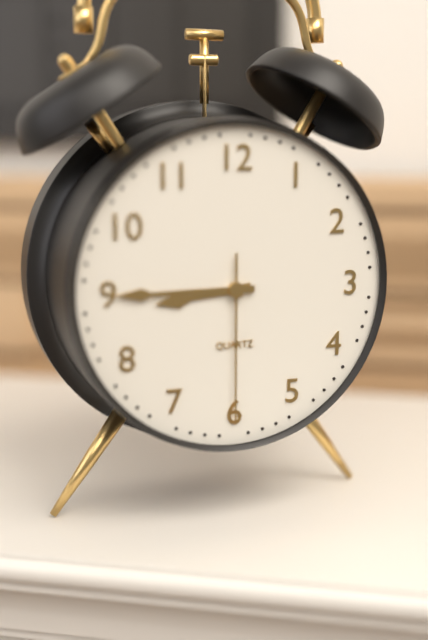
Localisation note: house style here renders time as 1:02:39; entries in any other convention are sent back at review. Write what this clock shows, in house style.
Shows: 8:45:30
